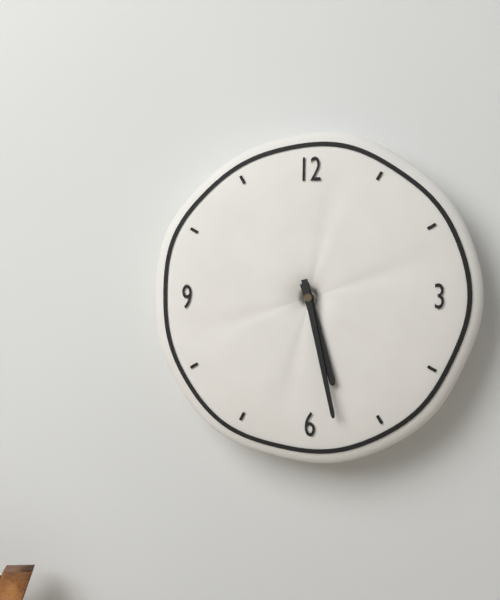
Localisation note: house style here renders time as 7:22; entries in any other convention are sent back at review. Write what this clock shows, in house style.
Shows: 5:28
